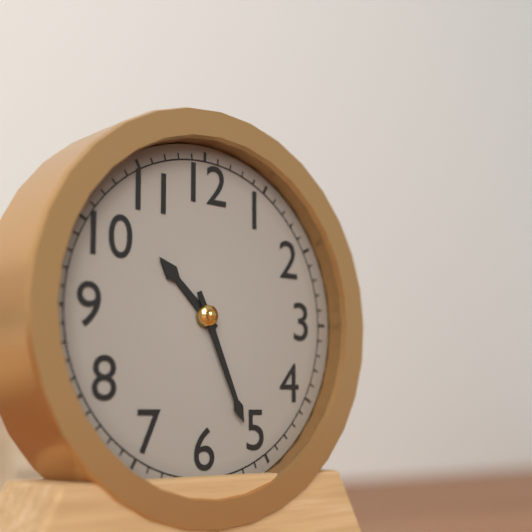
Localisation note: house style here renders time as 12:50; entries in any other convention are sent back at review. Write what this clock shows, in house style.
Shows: 10:26
